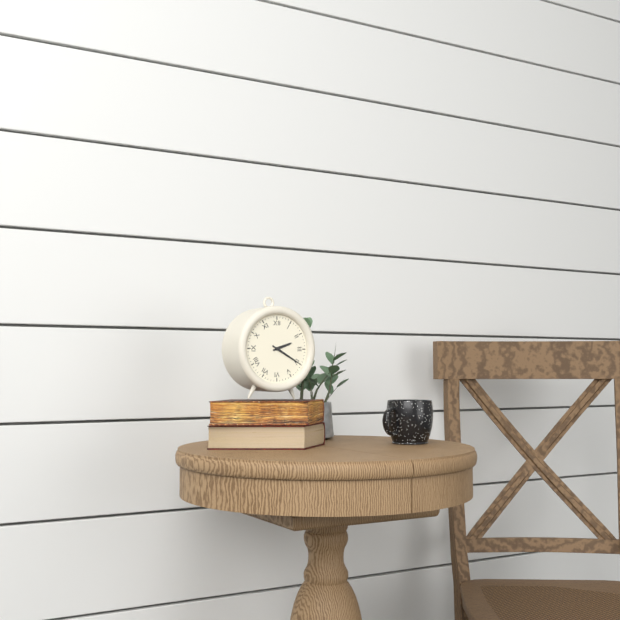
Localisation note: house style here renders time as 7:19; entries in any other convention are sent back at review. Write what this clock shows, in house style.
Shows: 2:20
